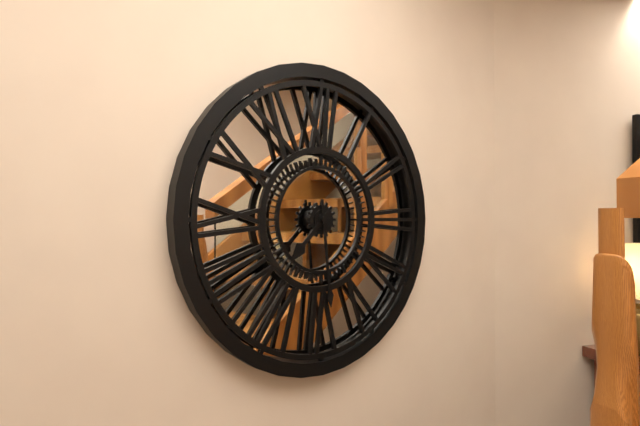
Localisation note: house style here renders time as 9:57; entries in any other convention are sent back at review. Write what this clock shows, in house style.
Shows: 7:29
